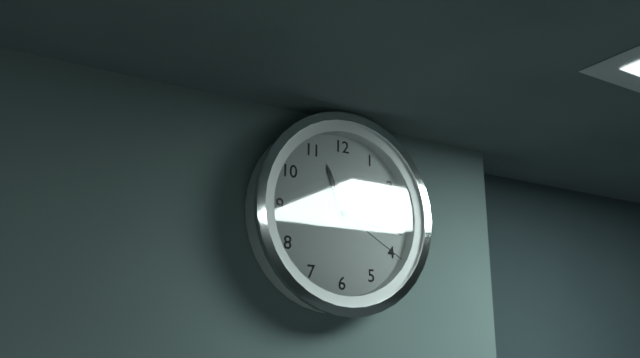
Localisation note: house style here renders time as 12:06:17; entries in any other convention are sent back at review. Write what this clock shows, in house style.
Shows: 11:17:20
